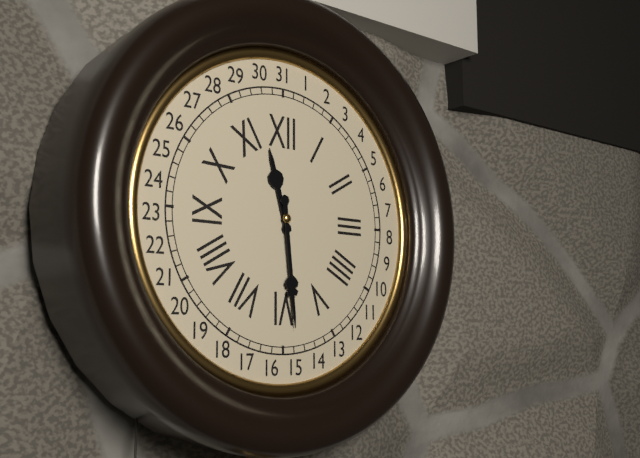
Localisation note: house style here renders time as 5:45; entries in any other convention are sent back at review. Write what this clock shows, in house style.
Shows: 11:29
